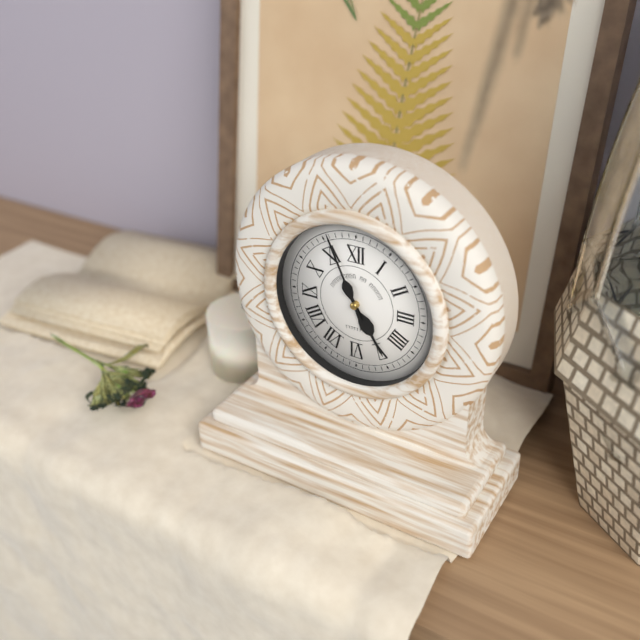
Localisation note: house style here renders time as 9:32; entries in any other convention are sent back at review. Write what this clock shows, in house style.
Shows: 4:56
